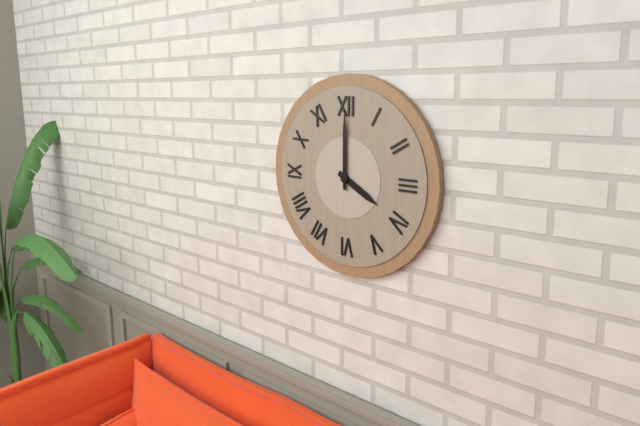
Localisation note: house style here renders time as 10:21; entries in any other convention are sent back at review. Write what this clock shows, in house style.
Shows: 4:00
